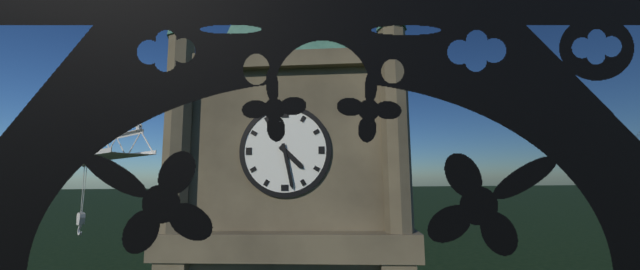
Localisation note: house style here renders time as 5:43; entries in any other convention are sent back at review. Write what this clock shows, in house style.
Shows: 4:28
